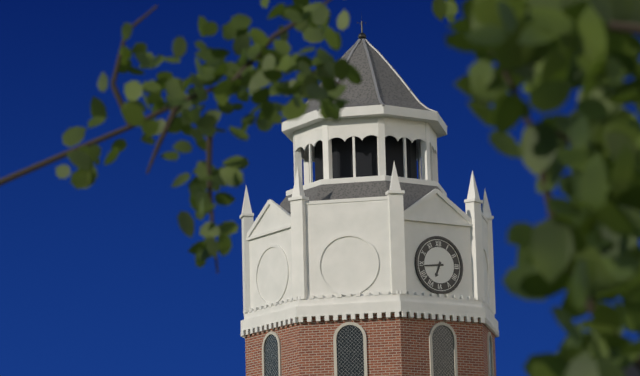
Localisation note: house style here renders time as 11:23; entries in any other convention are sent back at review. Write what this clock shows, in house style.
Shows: 6:44
